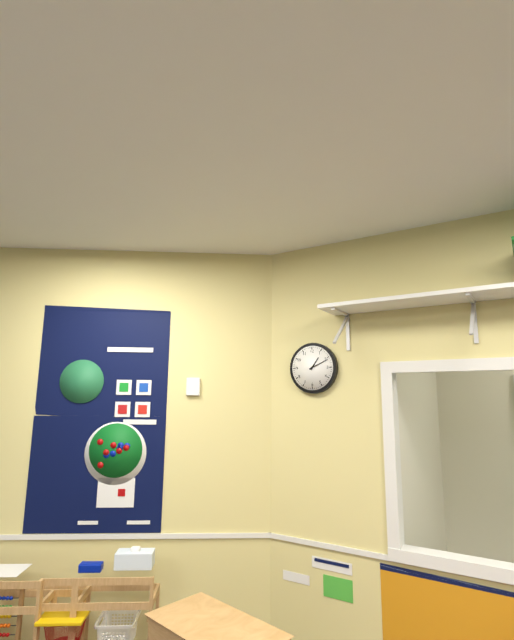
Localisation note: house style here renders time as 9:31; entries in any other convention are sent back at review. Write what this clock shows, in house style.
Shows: 1:11
